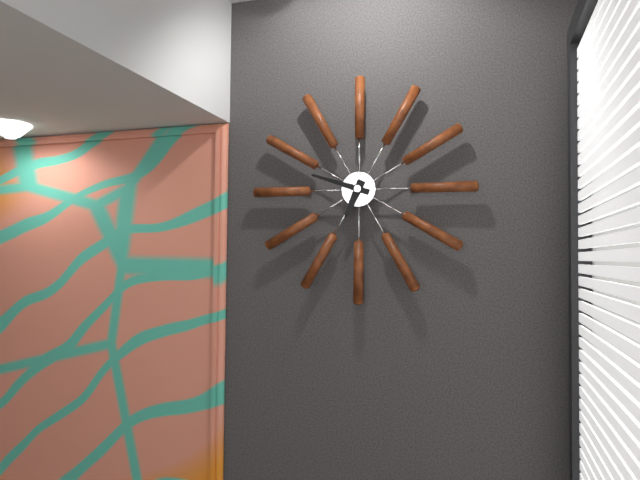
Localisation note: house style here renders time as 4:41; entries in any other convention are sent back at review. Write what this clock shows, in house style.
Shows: 6:48
